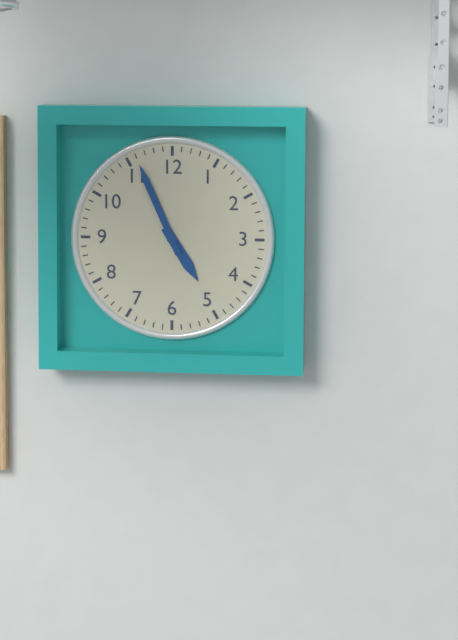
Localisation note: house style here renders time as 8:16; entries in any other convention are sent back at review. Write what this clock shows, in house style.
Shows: 4:56
